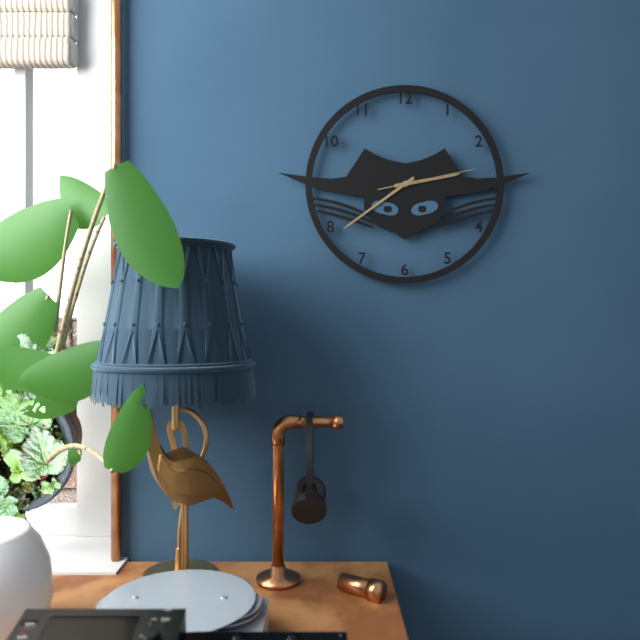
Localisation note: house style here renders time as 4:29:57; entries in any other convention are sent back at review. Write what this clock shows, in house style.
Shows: 2:39:13
